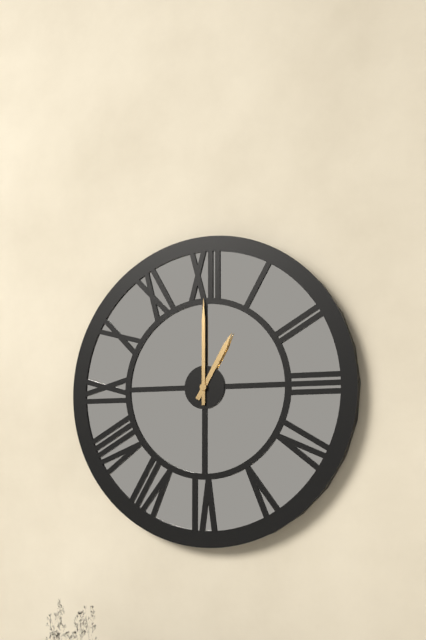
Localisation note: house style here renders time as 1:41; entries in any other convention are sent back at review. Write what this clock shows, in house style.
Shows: 1:00
